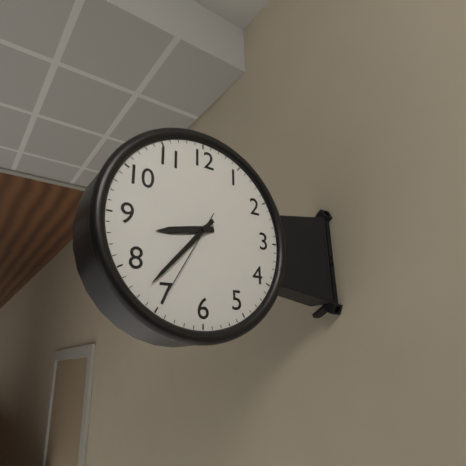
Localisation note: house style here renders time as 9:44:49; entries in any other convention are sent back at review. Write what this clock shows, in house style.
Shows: 8:37:35
